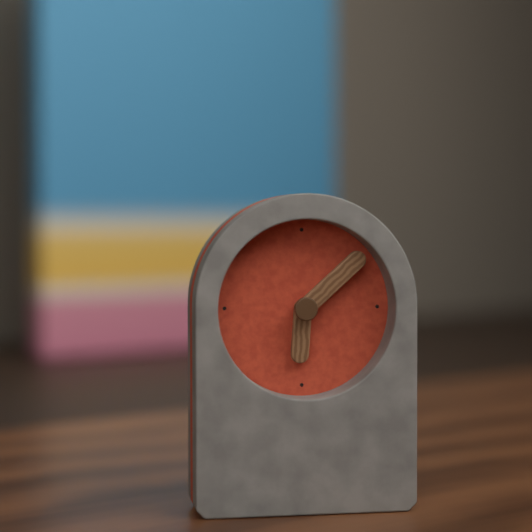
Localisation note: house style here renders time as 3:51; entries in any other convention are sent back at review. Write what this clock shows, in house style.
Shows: 6:08
